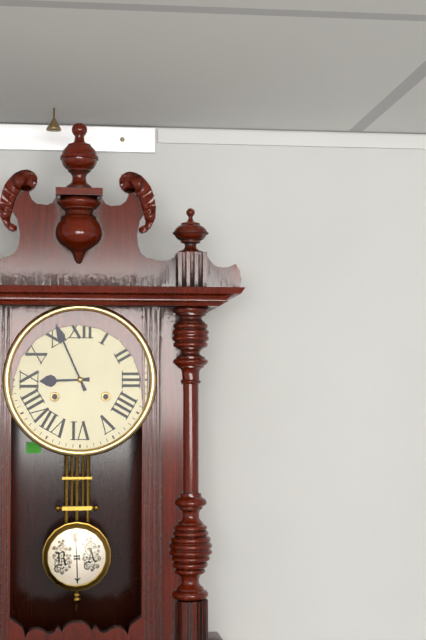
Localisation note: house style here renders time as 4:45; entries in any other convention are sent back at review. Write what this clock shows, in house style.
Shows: 8:56
